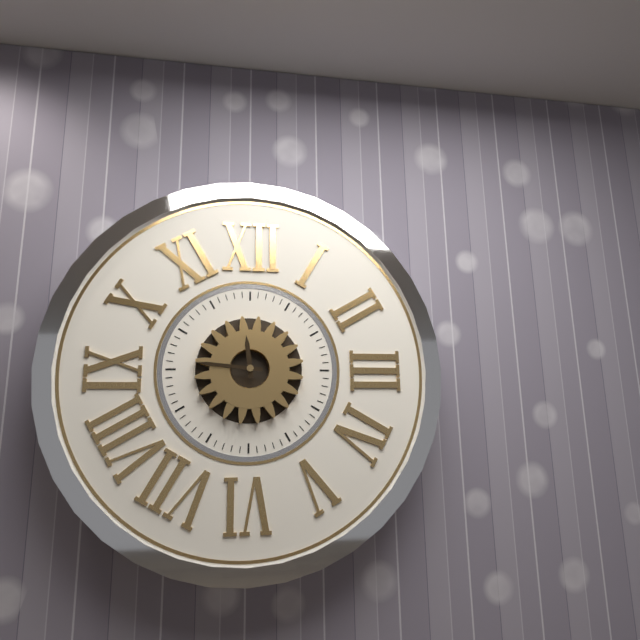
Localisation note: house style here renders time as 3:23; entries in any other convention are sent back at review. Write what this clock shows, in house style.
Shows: 11:46
